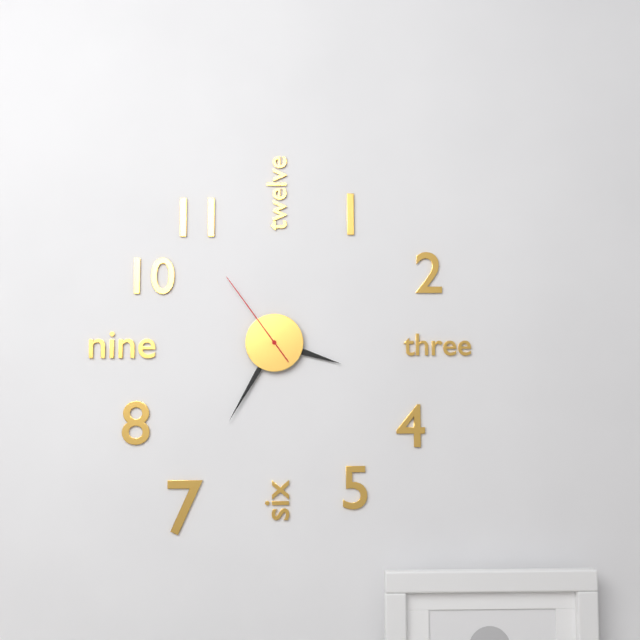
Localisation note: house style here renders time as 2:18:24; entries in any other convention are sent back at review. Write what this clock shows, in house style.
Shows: 3:35:54
